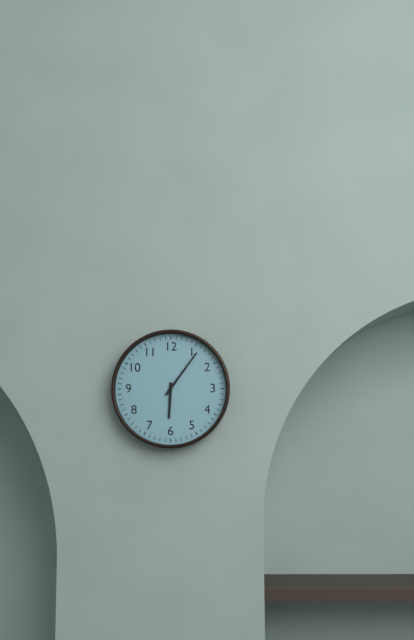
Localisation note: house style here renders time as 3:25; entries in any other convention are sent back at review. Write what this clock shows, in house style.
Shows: 6:06
